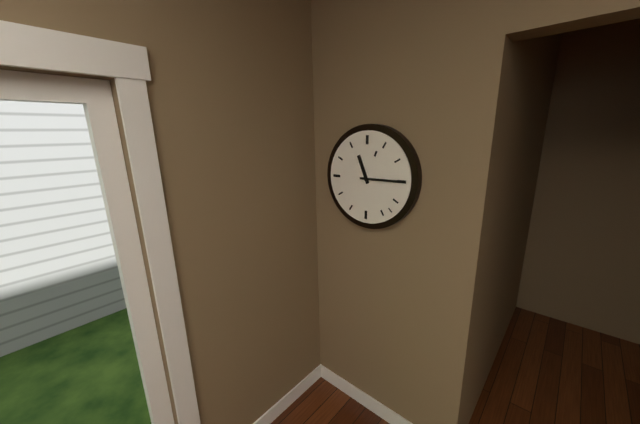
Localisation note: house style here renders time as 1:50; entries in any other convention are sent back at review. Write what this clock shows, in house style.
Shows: 11:15
